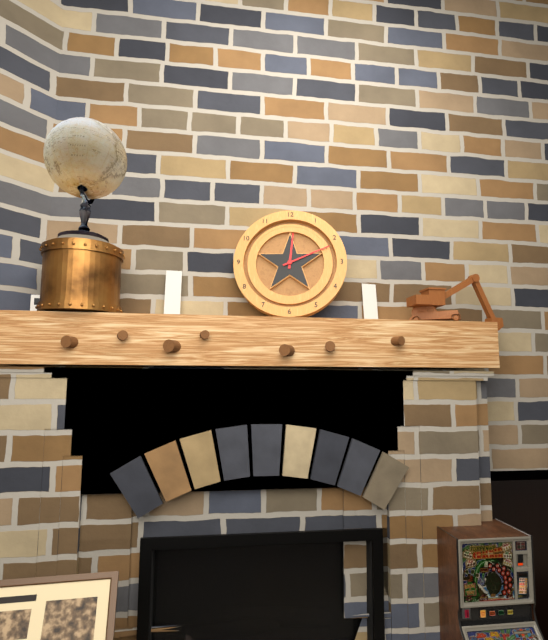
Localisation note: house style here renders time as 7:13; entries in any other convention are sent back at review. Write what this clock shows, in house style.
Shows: 12:11
